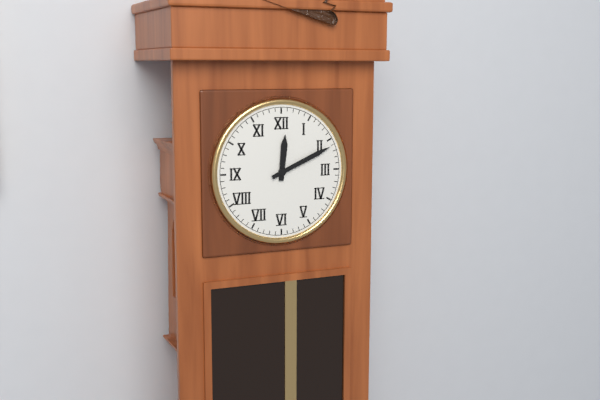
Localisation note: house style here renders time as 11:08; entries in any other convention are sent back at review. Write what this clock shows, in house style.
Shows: 12:11
